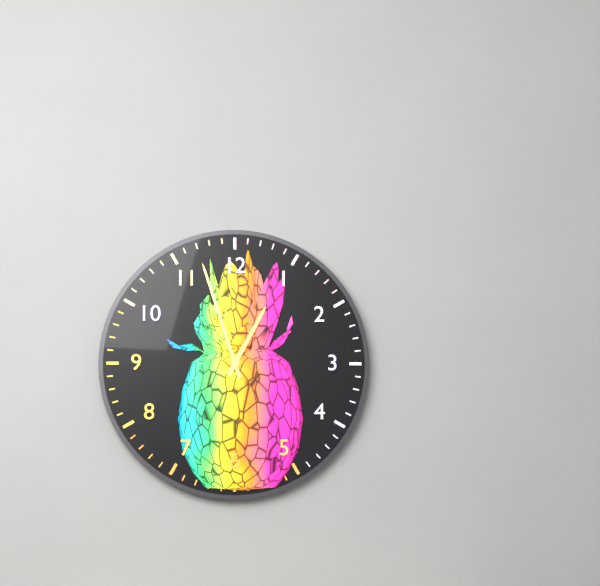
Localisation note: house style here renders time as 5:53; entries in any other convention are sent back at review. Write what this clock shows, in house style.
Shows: 12:57
